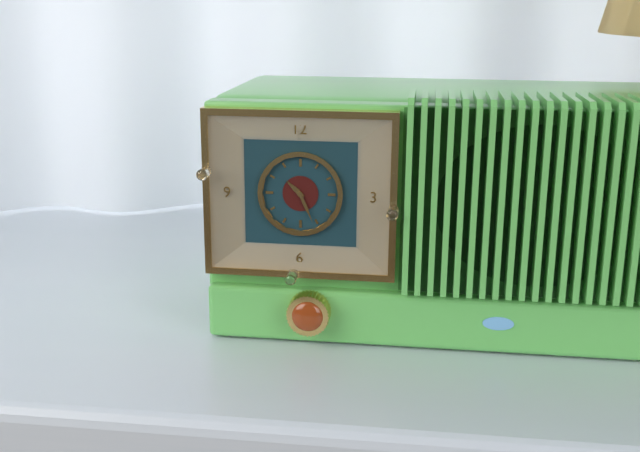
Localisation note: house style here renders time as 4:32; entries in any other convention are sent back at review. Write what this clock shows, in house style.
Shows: 10:26
